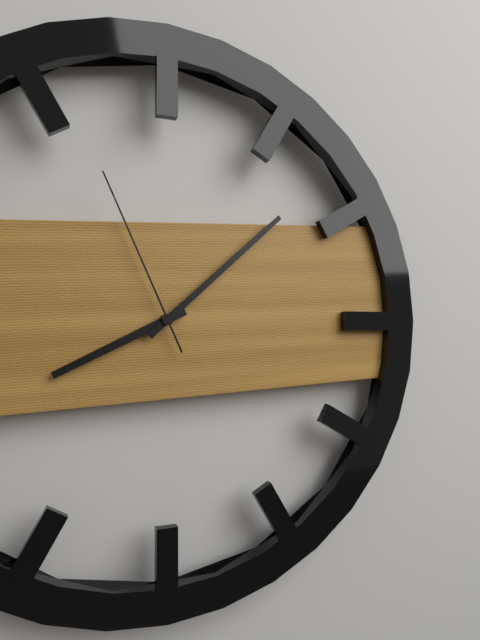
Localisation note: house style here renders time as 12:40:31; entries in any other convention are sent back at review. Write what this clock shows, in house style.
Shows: 8:08:56
